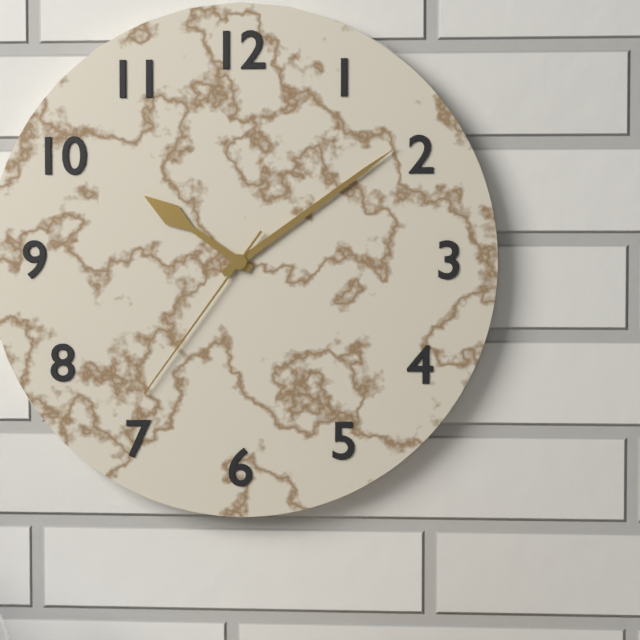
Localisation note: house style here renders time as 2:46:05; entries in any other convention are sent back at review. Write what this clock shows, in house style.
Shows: 10:09:36
